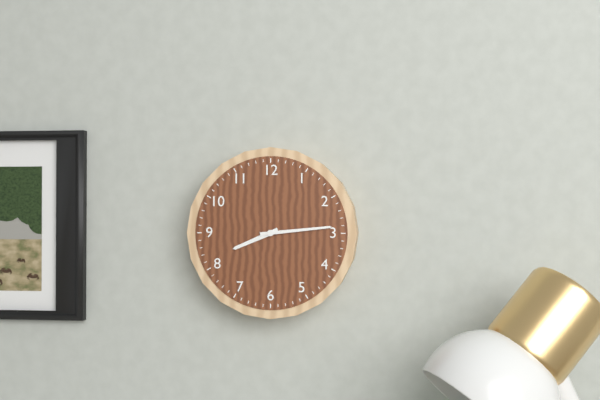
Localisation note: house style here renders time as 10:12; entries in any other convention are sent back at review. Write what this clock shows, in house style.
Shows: 8:14
